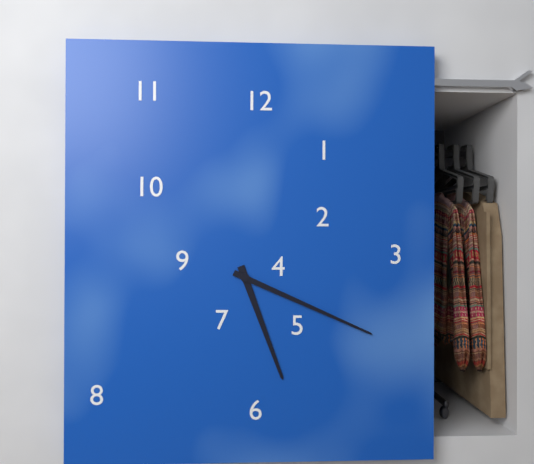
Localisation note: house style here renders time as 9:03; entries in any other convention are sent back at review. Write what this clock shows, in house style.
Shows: 5:19
